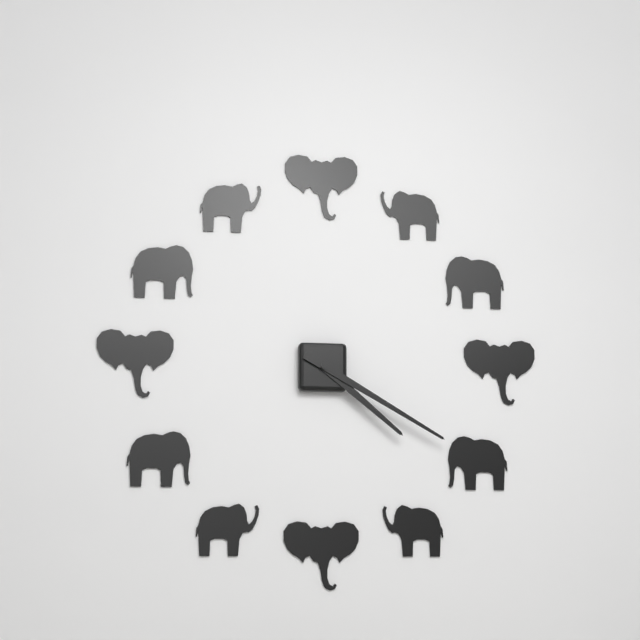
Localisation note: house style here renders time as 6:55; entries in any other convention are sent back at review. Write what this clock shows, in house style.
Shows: 4:20
